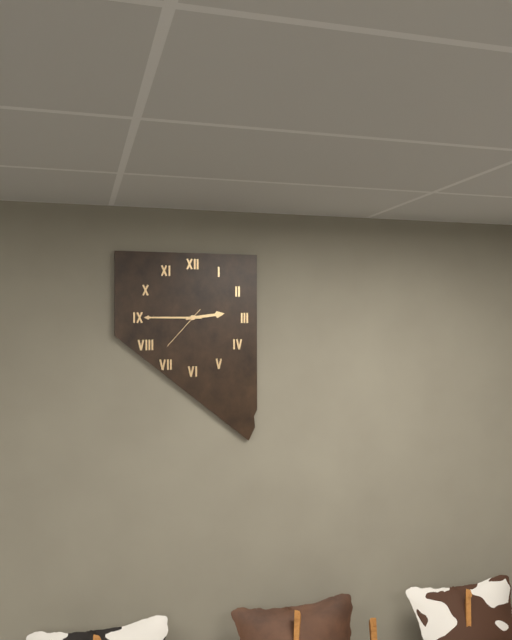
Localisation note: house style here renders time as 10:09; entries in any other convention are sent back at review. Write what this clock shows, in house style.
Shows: 2:45
